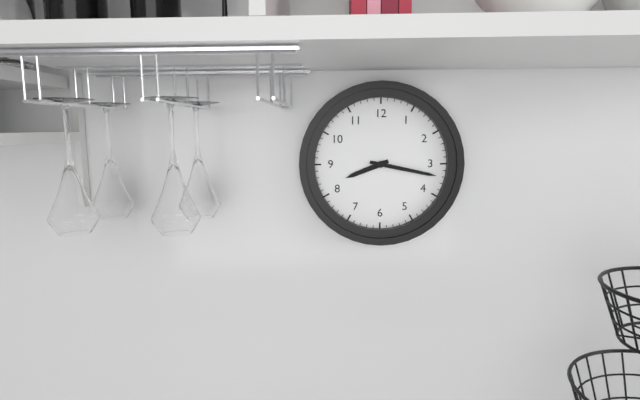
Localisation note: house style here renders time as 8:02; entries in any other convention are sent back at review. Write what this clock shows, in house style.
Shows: 8:17
